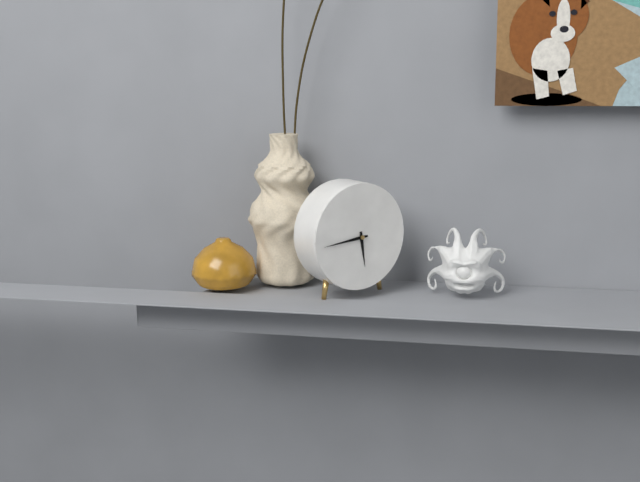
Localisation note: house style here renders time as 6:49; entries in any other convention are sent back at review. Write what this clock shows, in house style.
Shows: 5:44
